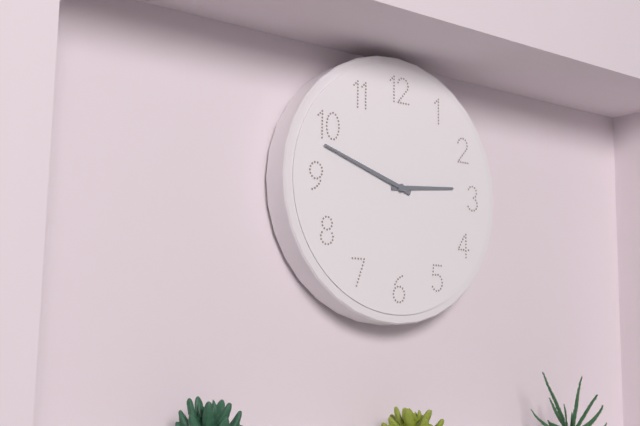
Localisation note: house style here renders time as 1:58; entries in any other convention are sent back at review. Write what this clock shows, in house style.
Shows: 2:48
